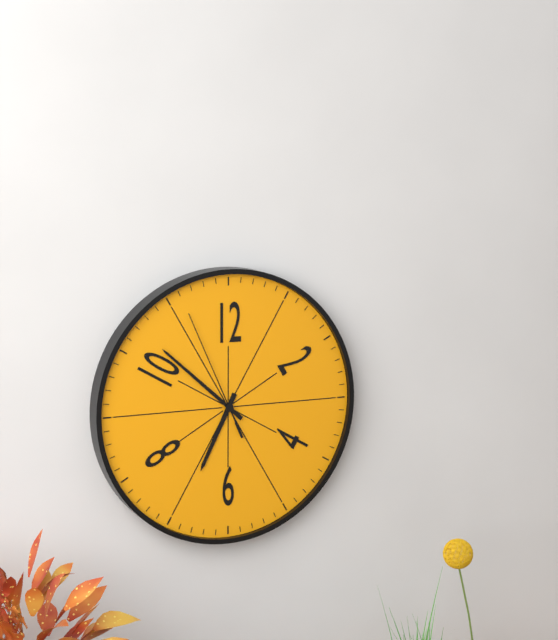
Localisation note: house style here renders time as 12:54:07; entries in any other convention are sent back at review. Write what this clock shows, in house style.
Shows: 6:52:56
